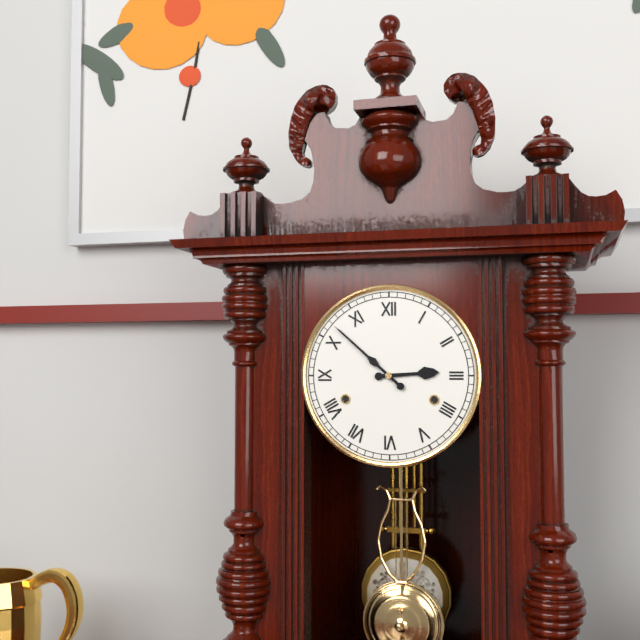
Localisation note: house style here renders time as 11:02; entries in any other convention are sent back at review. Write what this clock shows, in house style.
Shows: 2:52
